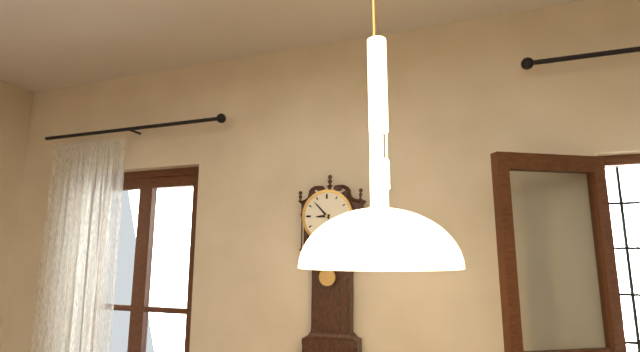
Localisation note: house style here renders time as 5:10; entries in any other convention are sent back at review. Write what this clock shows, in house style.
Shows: 8:53
